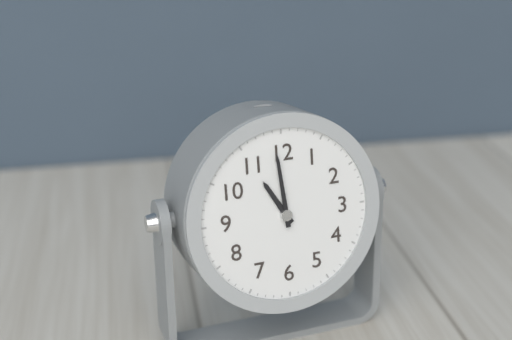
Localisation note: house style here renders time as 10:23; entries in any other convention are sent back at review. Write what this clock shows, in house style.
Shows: 10:59
